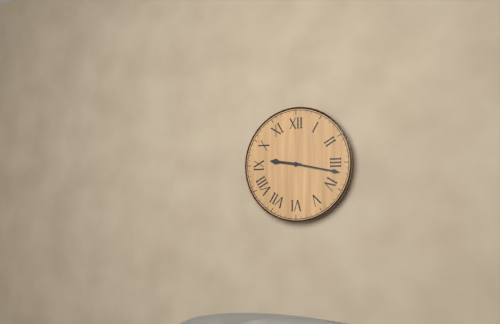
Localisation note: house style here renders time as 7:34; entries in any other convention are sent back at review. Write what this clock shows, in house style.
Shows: 9:17
